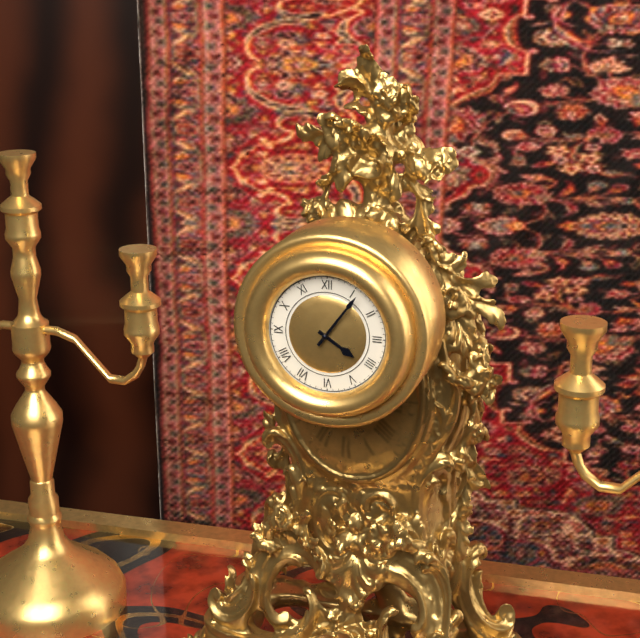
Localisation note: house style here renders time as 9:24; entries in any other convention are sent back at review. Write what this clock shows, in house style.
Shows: 4:06
